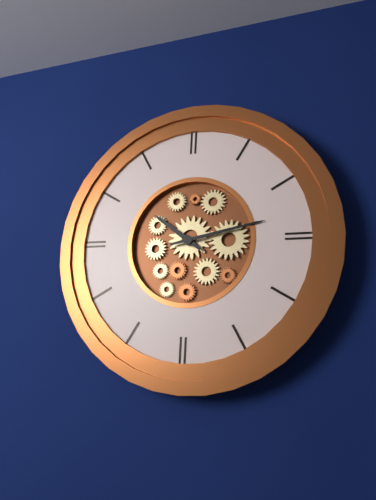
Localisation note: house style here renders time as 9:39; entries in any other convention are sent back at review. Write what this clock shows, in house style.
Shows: 10:13
